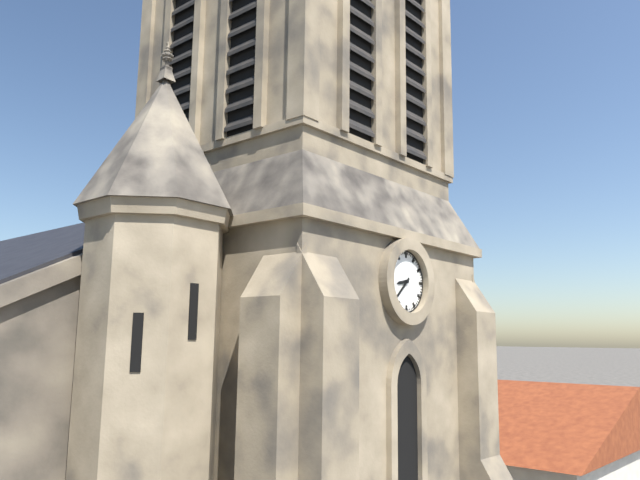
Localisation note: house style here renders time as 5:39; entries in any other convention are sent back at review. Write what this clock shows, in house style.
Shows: 8:38
